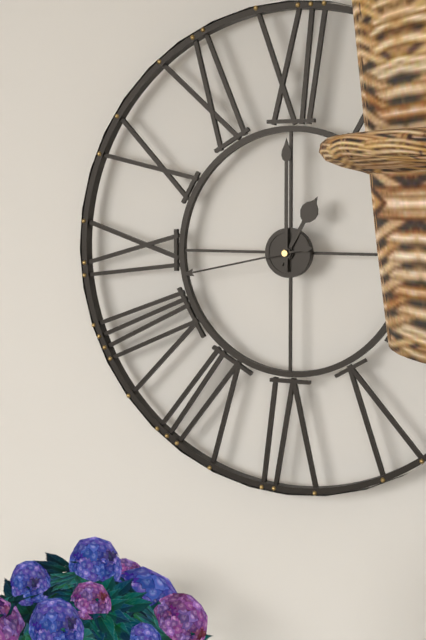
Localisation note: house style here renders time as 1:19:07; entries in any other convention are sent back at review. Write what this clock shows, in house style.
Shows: 1:00:43
